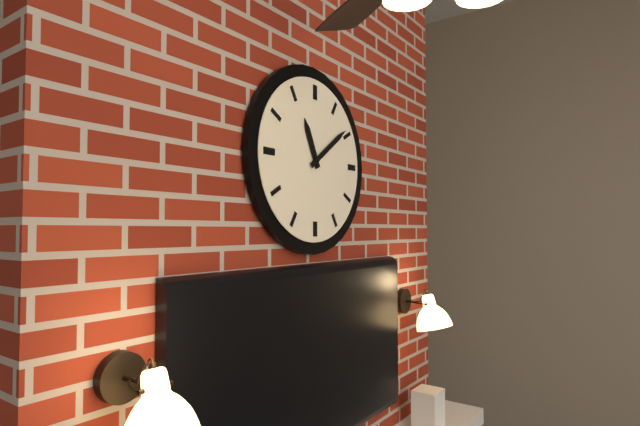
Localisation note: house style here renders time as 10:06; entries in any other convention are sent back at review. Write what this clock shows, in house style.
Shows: 11:09
